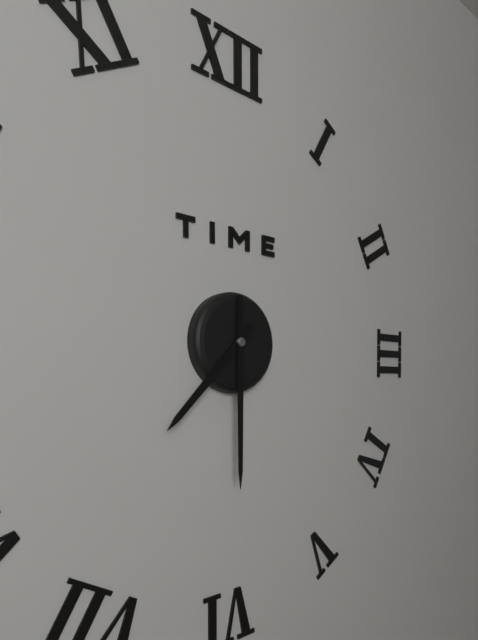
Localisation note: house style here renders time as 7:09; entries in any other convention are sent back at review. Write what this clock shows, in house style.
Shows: 7:30
